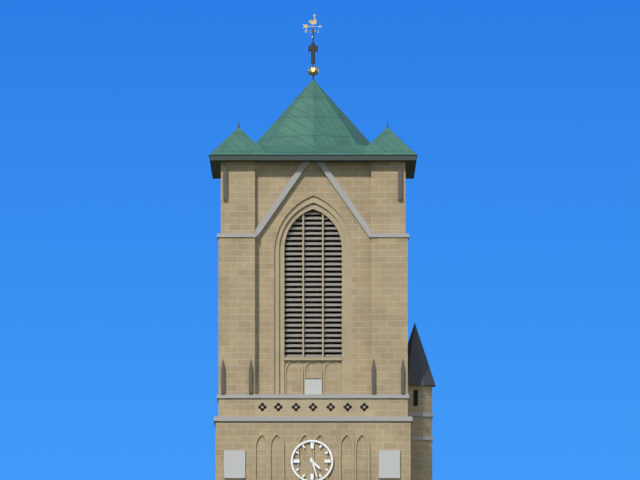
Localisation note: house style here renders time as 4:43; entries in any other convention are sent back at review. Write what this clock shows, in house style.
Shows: 4:27
